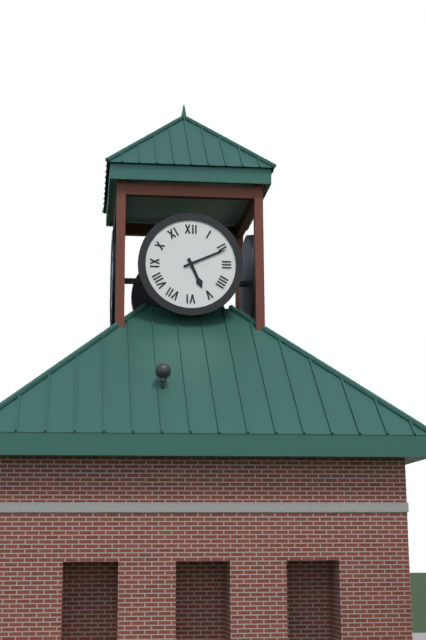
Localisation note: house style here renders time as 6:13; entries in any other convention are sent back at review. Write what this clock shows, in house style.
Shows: 5:11
